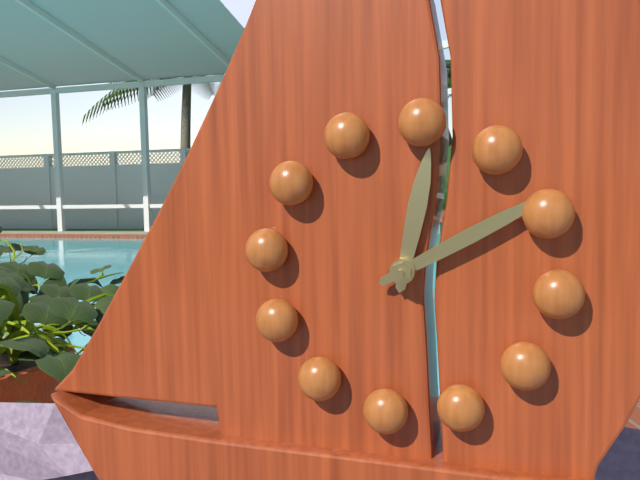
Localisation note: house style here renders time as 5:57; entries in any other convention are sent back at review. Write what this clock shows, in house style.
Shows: 12:09
